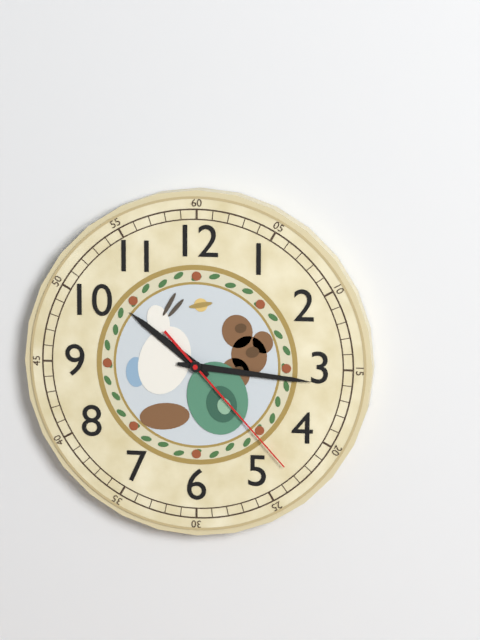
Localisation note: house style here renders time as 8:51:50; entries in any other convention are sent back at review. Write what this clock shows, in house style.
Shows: 10:16:23
